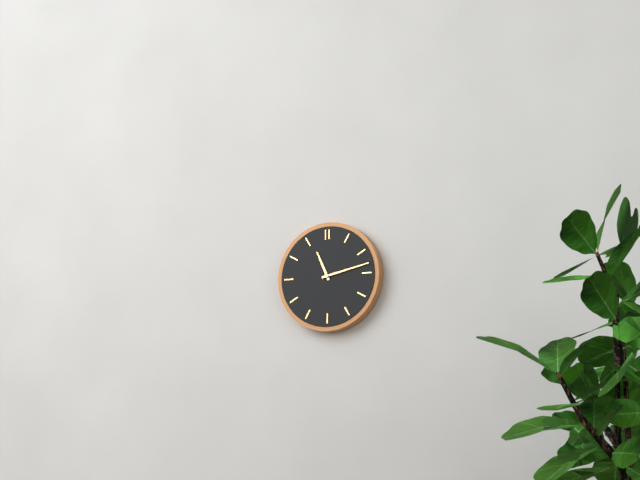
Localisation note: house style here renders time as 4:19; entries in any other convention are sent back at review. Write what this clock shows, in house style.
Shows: 11:13
